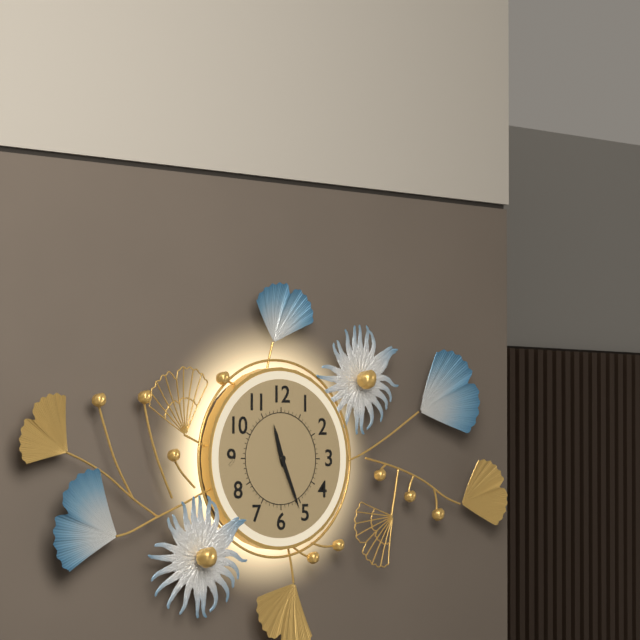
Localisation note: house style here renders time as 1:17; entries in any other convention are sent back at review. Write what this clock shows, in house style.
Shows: 11:26
